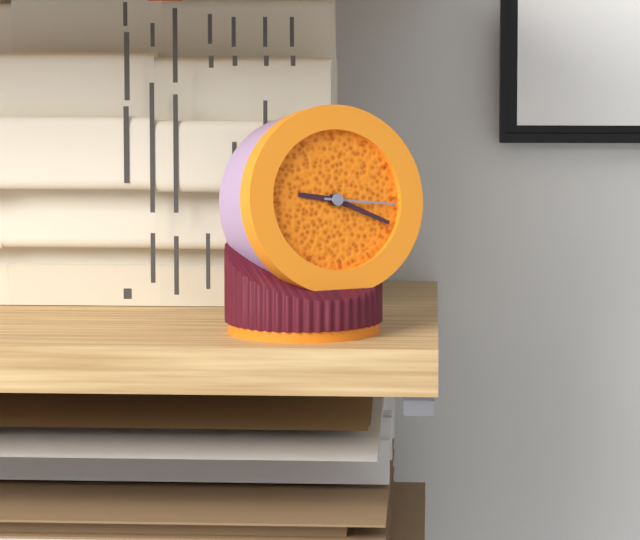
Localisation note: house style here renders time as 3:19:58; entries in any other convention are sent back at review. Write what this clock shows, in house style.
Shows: 9:19:16
